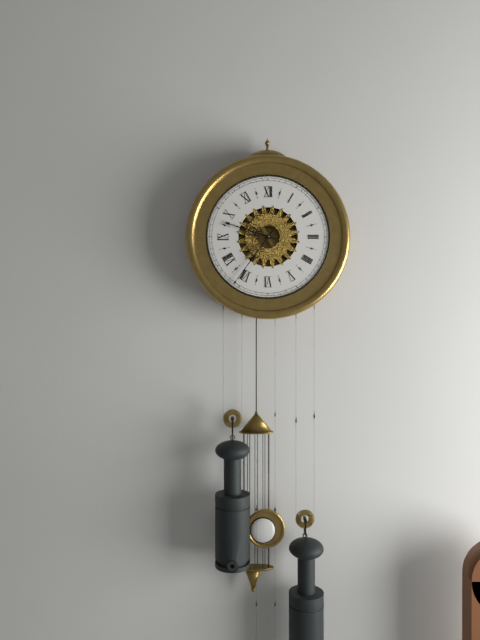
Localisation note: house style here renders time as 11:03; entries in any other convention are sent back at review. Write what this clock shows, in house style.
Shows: 9:36
